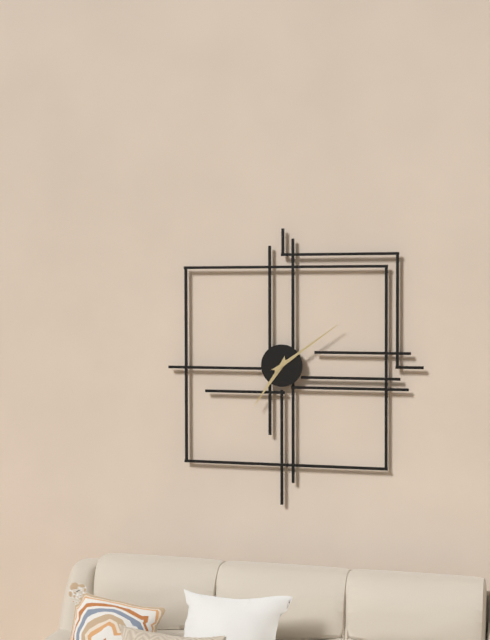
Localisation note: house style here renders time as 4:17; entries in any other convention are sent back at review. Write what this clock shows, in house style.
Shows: 7:09
